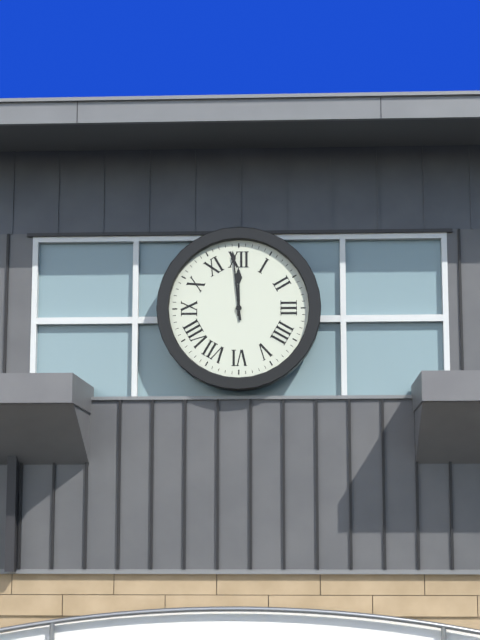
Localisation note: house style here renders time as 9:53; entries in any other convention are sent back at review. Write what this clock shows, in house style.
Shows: 11:59
